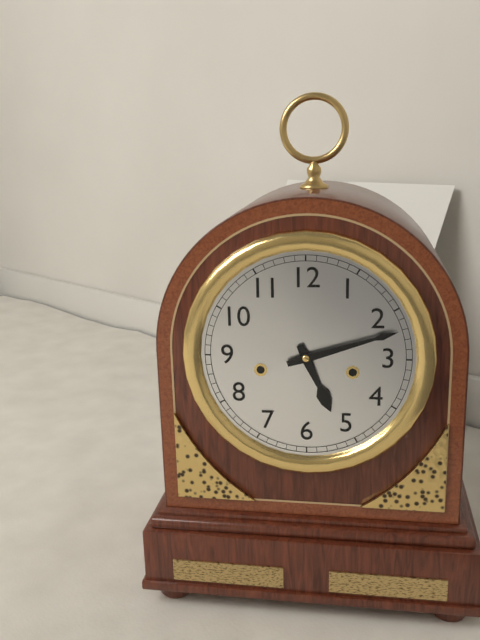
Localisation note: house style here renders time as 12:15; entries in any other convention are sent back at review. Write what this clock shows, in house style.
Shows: 5:12
